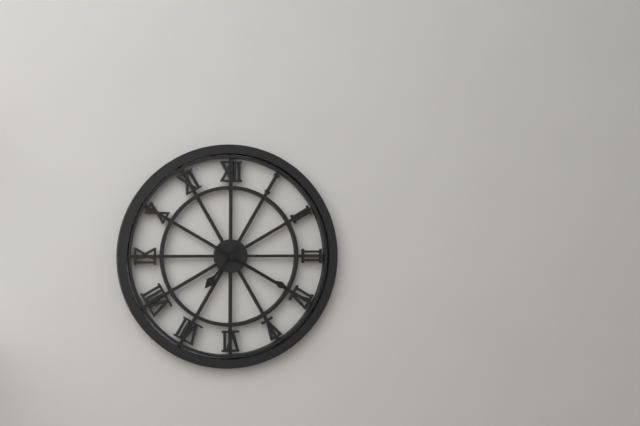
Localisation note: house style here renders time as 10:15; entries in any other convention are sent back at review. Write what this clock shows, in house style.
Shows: 7:20
